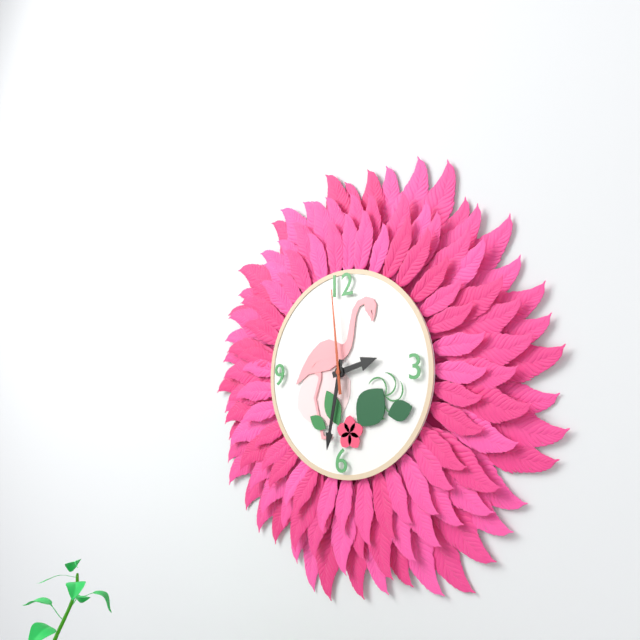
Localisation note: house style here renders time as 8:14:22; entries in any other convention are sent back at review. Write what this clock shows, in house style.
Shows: 2:32:59
